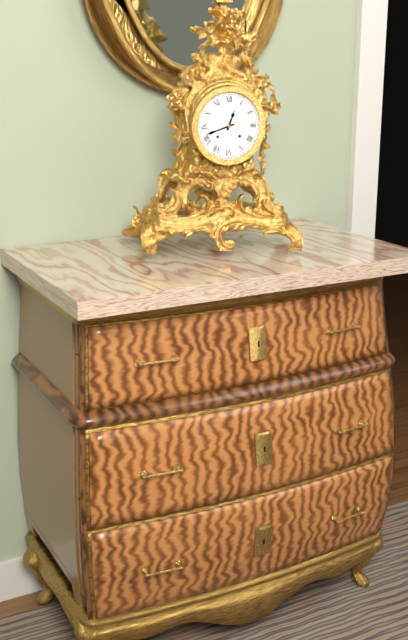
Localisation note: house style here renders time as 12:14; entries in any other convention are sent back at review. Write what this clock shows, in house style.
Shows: 12:42
